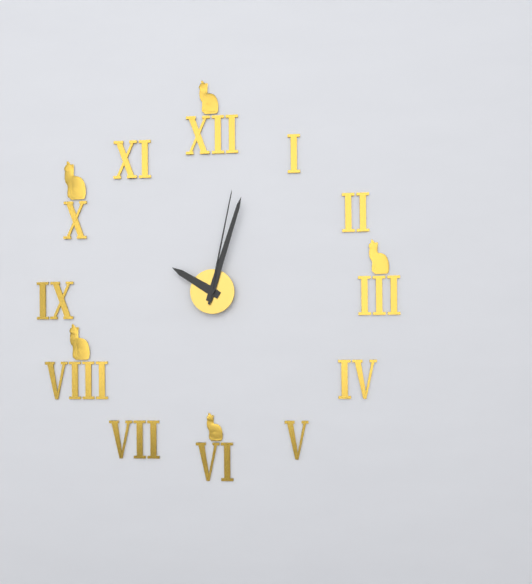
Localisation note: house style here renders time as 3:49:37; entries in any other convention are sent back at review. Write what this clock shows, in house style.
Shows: 10:03:02
